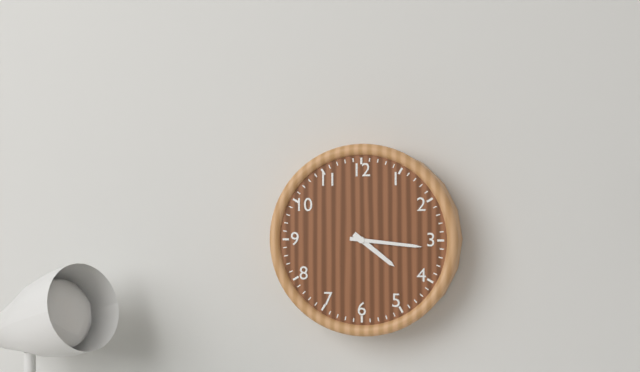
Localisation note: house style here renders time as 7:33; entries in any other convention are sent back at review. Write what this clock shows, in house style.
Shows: 4:16
